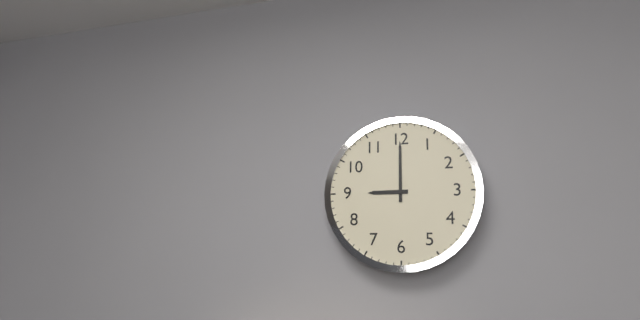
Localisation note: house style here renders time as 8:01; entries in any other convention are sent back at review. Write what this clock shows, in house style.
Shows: 9:00
